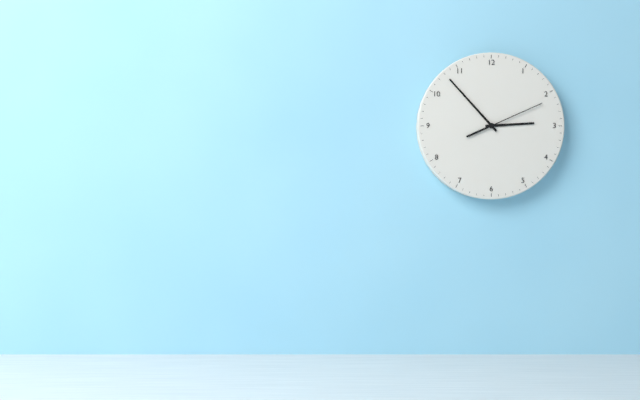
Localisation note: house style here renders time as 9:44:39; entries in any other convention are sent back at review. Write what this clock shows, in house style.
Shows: 2:53:11
